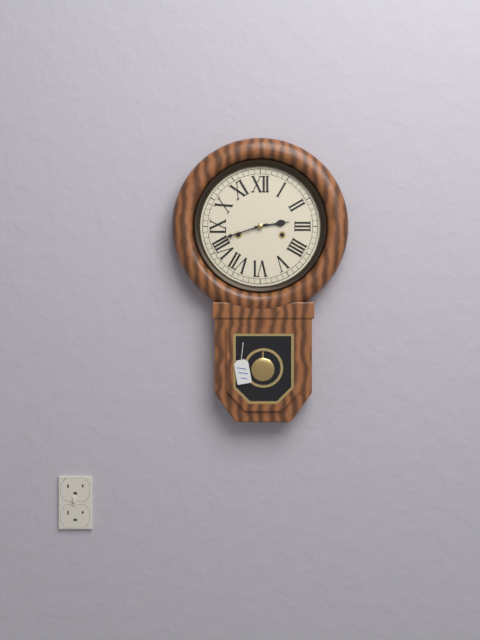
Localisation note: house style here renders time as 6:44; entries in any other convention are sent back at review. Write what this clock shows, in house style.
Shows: 2:42
